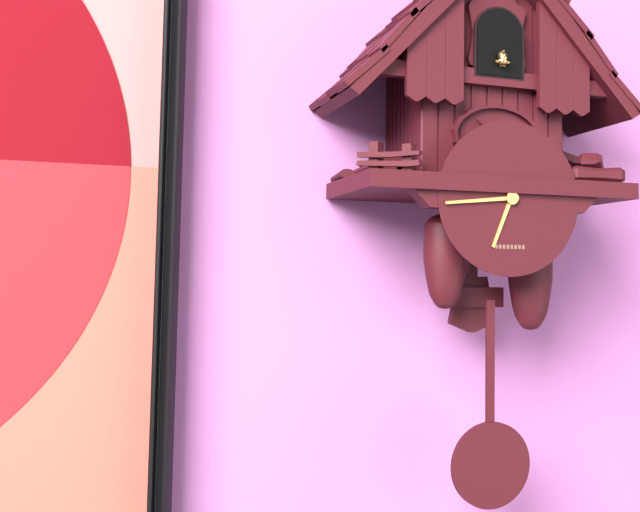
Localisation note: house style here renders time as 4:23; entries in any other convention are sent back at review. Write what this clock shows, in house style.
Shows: 6:44
